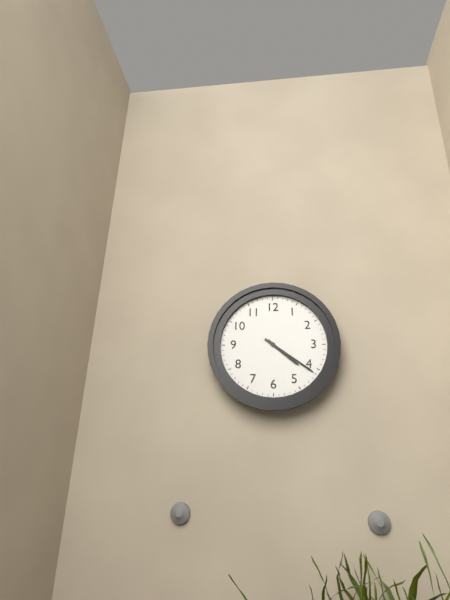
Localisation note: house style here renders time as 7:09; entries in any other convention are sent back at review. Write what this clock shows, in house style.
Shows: 4:21
